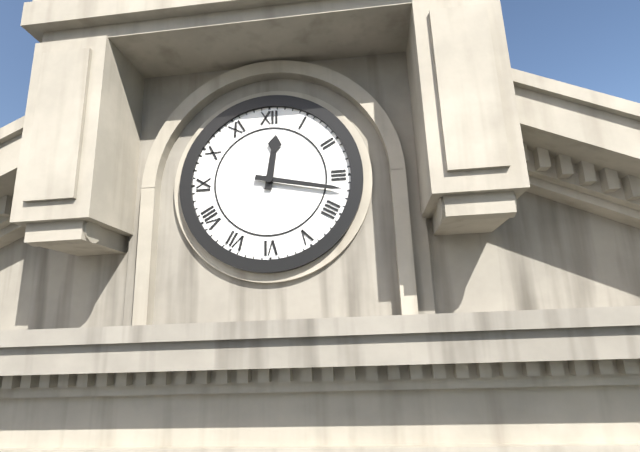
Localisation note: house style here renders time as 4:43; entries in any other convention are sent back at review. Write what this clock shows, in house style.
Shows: 12:17
